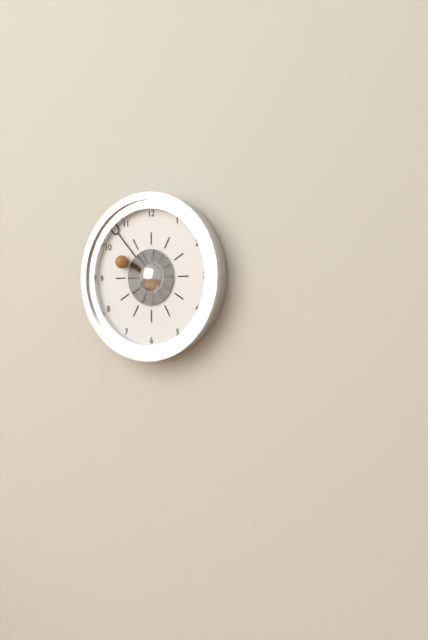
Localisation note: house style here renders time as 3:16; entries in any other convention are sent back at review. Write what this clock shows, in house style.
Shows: 9:53
